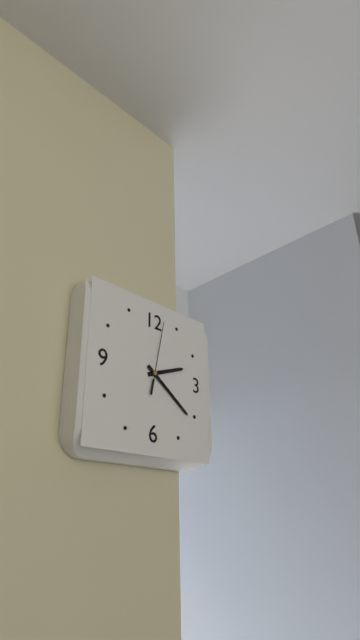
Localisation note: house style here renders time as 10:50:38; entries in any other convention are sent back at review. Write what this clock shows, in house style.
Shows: 2:21:02
